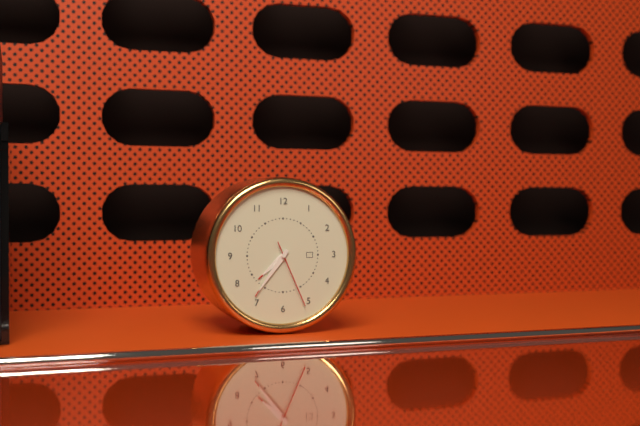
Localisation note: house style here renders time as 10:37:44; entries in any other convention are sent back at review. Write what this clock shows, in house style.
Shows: 7:36:26
